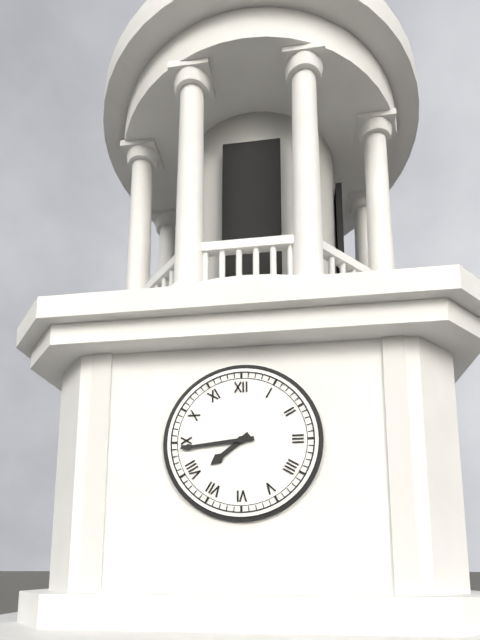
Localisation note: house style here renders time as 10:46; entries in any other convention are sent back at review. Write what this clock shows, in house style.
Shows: 7:44
